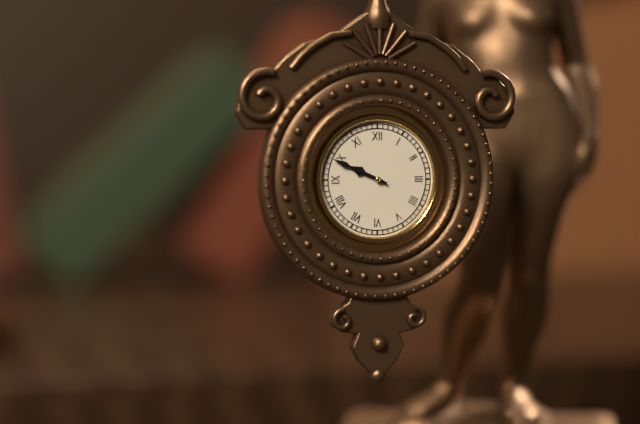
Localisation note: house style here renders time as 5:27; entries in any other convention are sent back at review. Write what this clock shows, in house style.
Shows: 9:49
